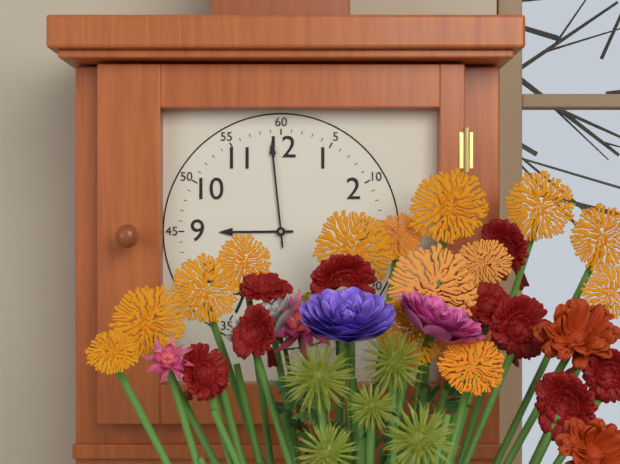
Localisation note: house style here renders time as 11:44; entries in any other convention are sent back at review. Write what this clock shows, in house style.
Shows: 8:59
